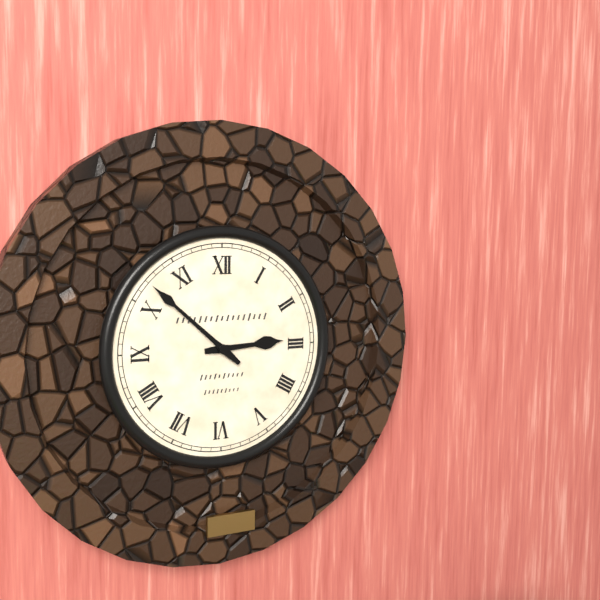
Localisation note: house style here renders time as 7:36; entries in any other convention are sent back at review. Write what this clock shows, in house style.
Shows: 2:52
